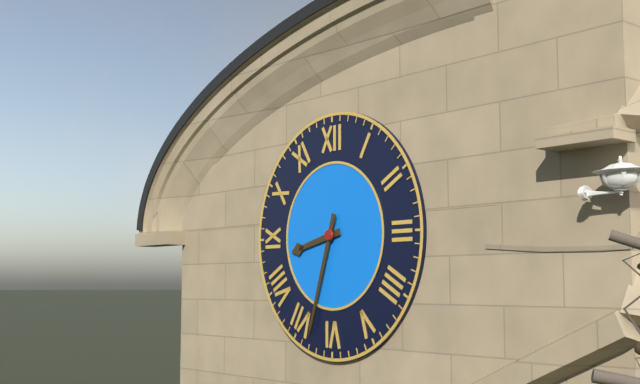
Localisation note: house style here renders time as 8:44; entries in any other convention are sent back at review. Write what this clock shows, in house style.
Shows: 8:33
